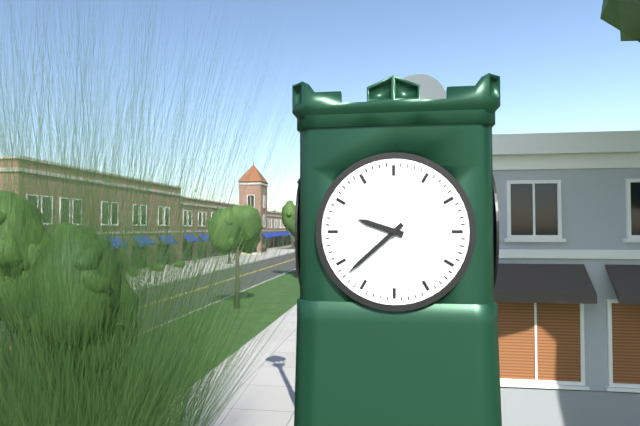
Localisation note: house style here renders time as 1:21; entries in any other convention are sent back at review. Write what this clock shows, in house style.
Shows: 9:38
